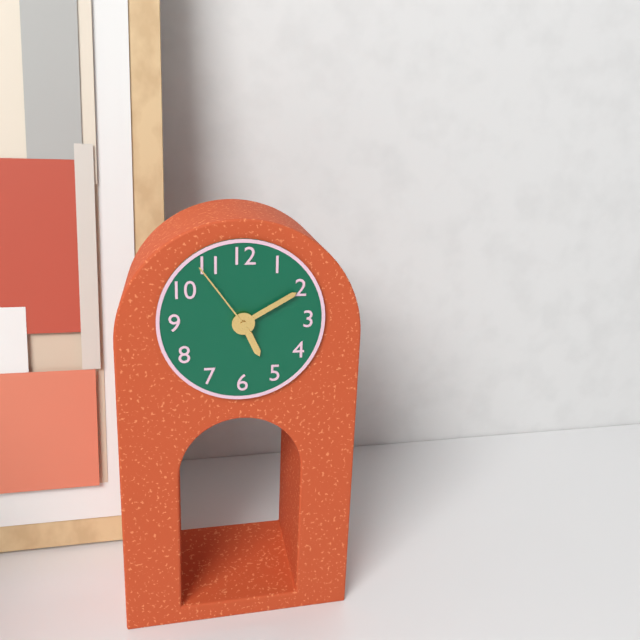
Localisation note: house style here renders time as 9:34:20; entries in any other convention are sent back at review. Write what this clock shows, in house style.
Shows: 5:10:54
